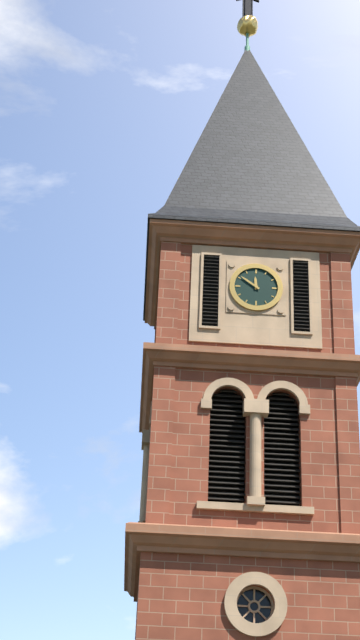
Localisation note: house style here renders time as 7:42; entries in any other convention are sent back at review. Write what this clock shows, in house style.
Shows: 11:51
